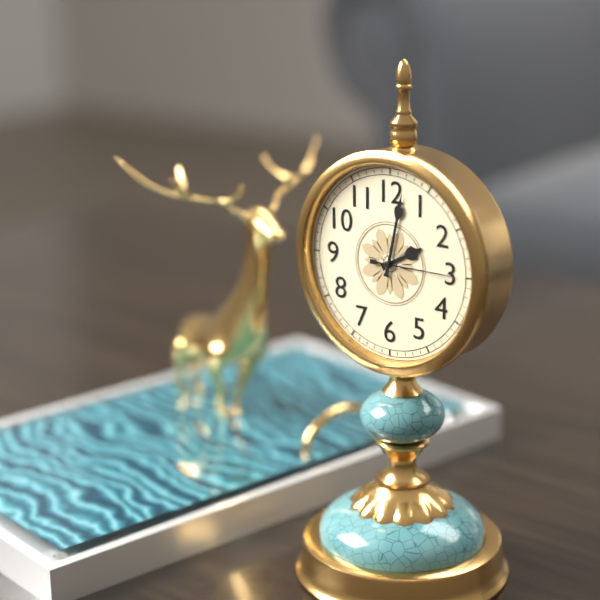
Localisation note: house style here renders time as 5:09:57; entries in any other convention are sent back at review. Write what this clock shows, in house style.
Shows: 2:02:15
